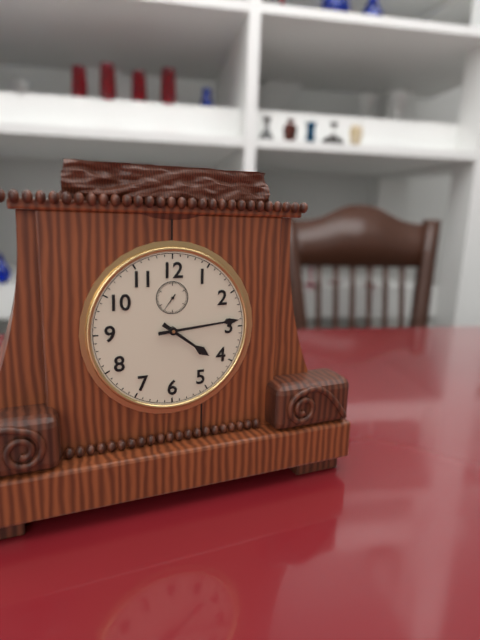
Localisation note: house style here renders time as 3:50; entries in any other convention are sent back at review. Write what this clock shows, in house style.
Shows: 4:14
